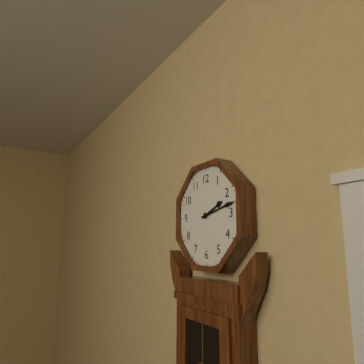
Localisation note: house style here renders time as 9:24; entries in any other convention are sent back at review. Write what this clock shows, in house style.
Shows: 2:13
